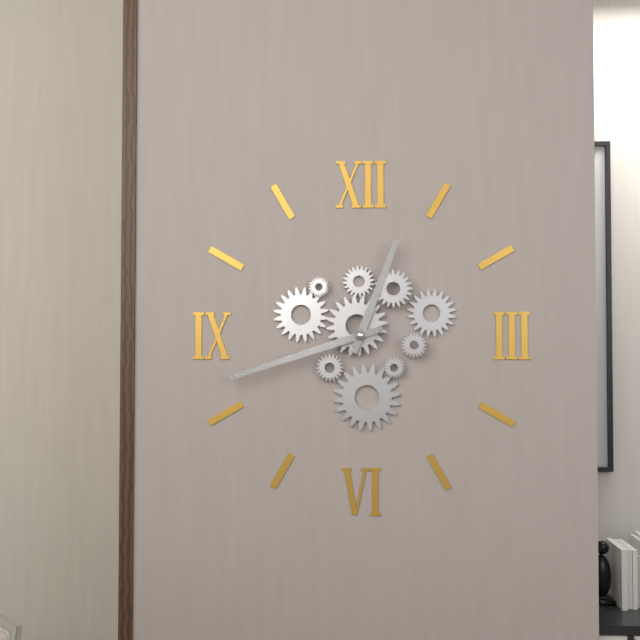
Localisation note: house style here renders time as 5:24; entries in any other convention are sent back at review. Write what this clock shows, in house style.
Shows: 12:42
